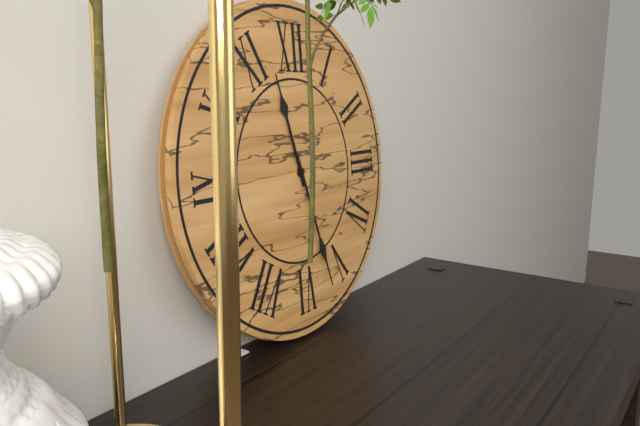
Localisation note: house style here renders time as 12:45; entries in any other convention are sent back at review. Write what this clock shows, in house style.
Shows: 11:27
